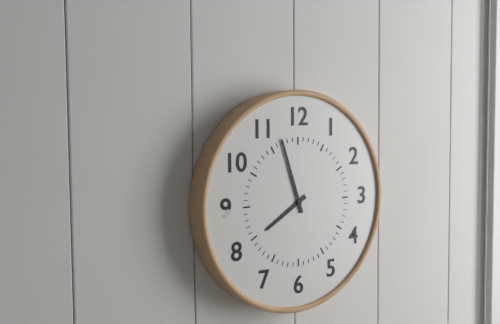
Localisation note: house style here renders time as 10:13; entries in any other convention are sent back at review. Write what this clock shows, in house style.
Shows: 7:57
